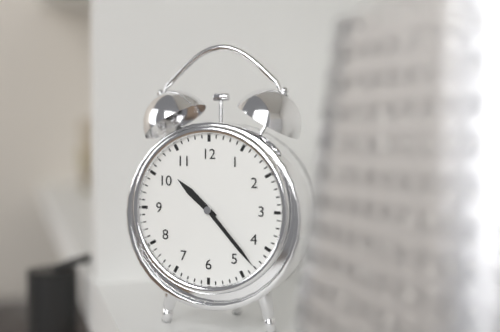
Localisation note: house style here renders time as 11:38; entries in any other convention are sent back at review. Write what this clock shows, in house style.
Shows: 10:23
